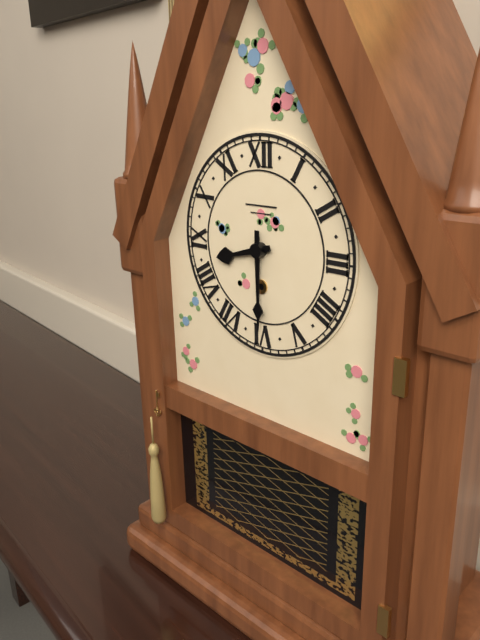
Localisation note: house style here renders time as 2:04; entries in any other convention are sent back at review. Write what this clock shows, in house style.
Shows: 8:30
